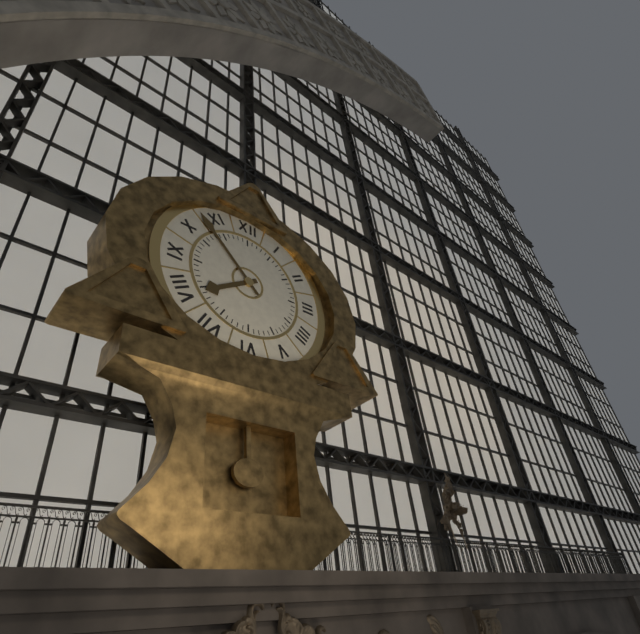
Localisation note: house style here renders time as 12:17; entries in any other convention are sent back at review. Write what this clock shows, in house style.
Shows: 7:53
